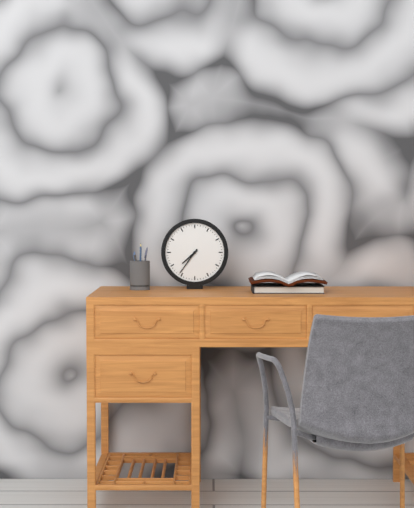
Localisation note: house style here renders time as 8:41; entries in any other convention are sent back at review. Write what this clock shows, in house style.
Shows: 7:36
